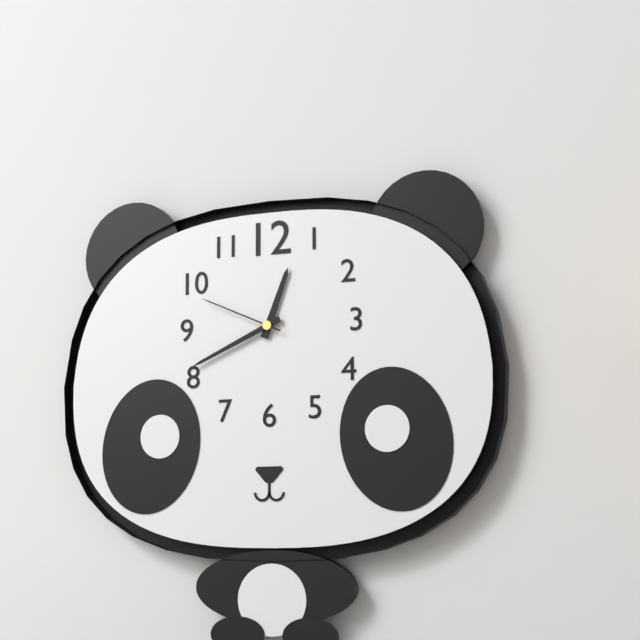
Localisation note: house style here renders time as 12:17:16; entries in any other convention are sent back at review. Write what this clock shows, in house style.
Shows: 12:41:49
